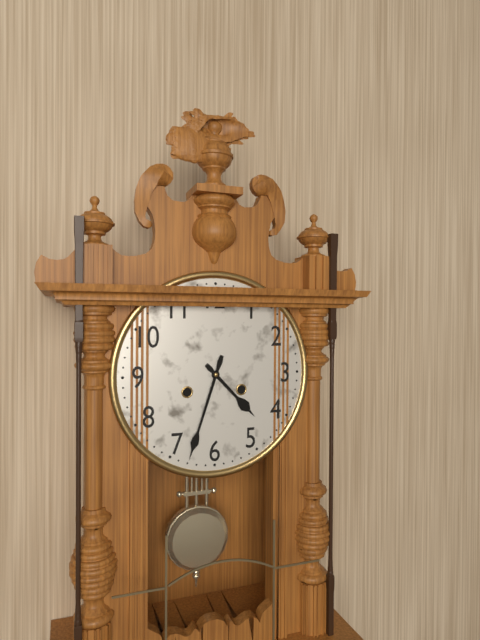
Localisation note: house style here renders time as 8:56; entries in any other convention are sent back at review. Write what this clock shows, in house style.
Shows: 4:33
